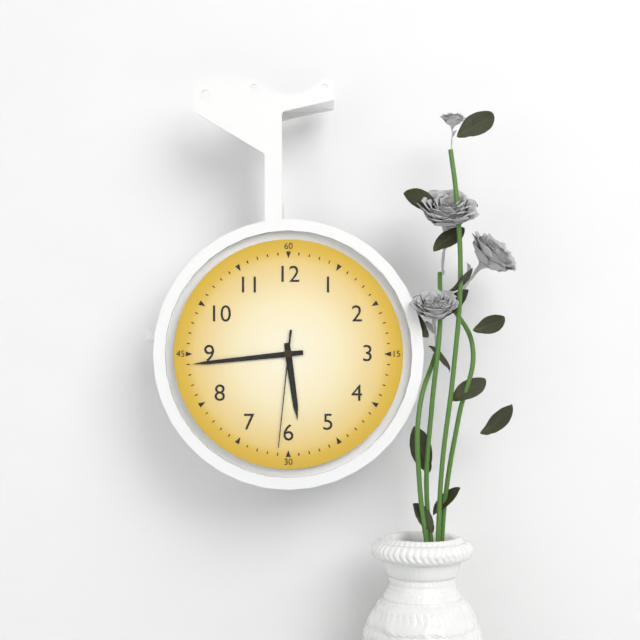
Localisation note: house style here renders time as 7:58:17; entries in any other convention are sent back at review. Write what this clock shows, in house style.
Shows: 5:44:31
